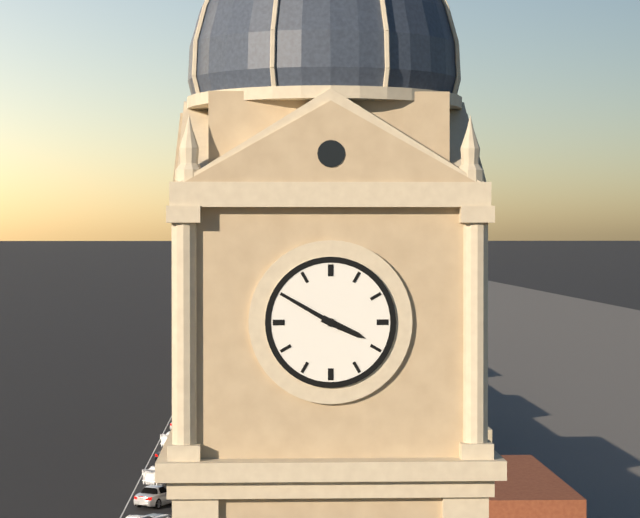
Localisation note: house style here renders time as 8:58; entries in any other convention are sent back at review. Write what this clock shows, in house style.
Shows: 3:50
